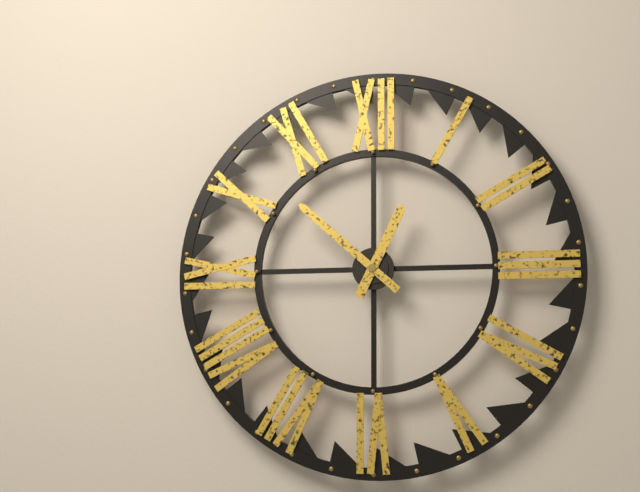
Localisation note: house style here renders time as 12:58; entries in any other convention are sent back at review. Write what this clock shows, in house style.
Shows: 12:52
